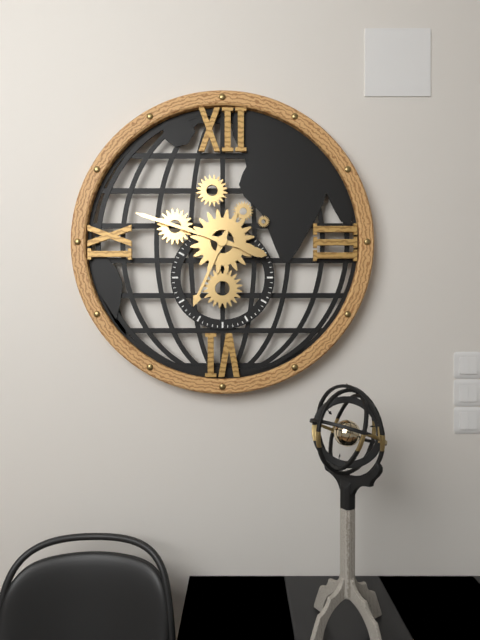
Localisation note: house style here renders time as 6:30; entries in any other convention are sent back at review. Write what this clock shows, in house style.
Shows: 6:48
